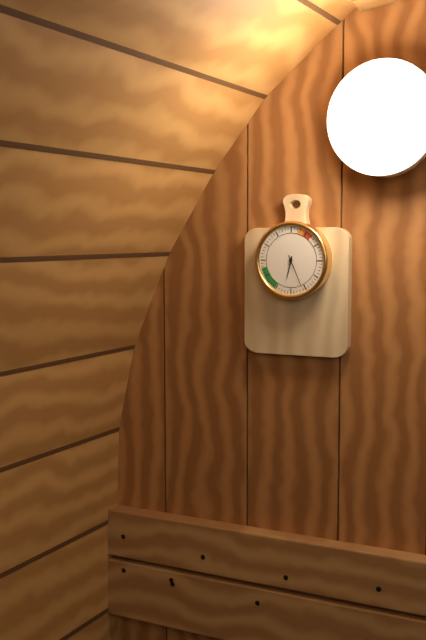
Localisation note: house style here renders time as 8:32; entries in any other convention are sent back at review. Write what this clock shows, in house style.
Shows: 6:26
